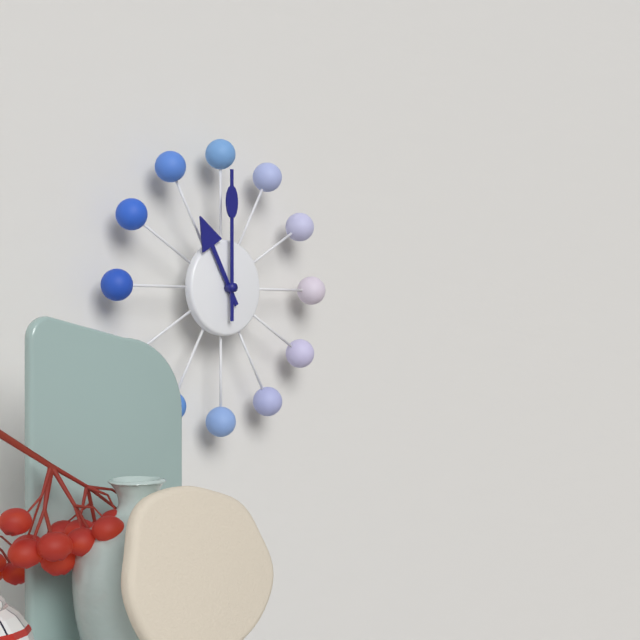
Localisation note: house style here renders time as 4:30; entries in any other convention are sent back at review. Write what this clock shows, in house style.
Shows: 11:00
